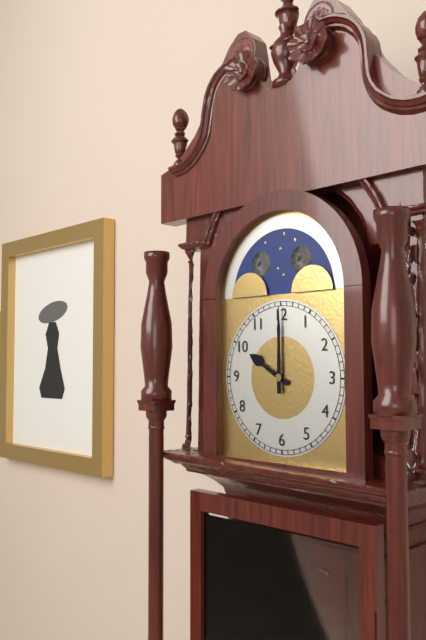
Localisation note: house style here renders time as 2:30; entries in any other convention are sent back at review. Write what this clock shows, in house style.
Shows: 10:00
